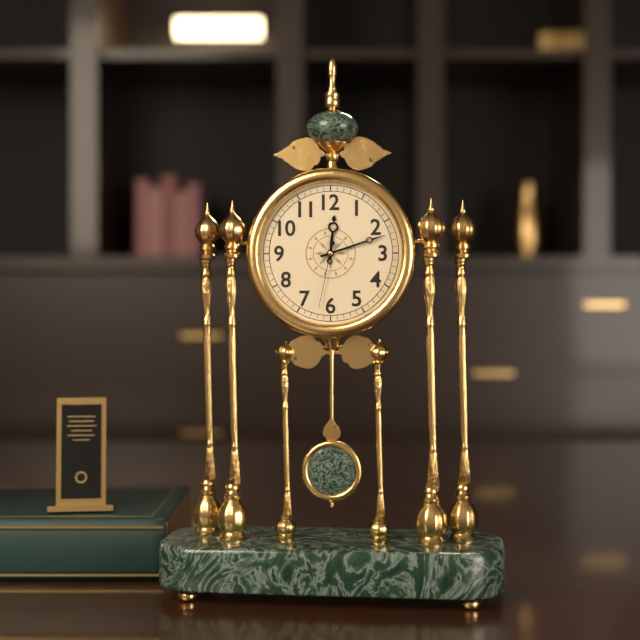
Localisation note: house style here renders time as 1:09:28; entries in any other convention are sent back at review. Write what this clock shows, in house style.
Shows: 12:12:32
